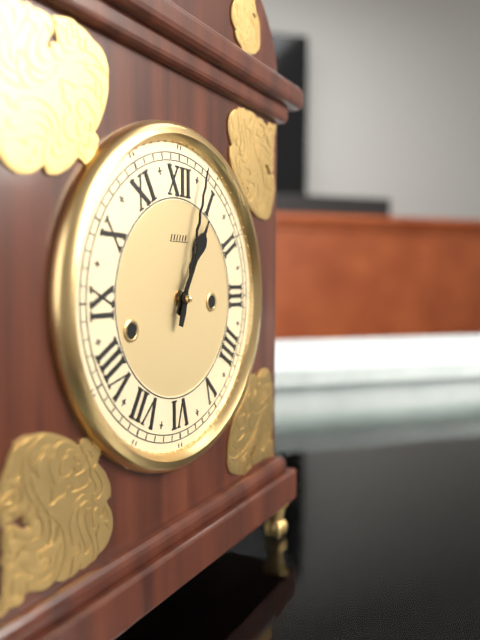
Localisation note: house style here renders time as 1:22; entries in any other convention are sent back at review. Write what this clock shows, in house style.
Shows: 1:03
